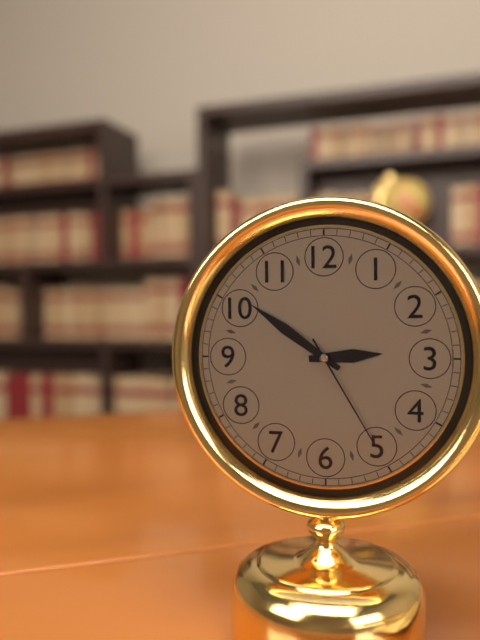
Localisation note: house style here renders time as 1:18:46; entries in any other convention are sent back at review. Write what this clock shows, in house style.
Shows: 2:51:25
